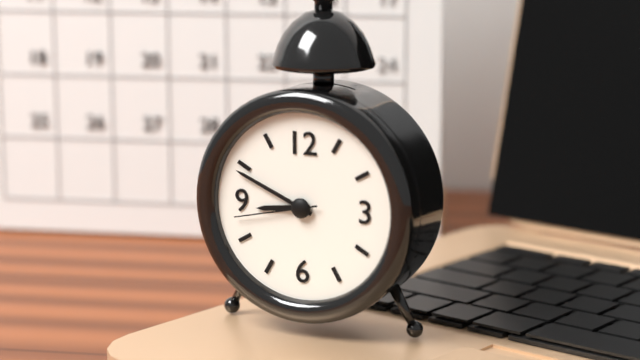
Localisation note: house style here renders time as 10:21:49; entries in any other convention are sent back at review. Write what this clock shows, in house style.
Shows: 8:49:43
